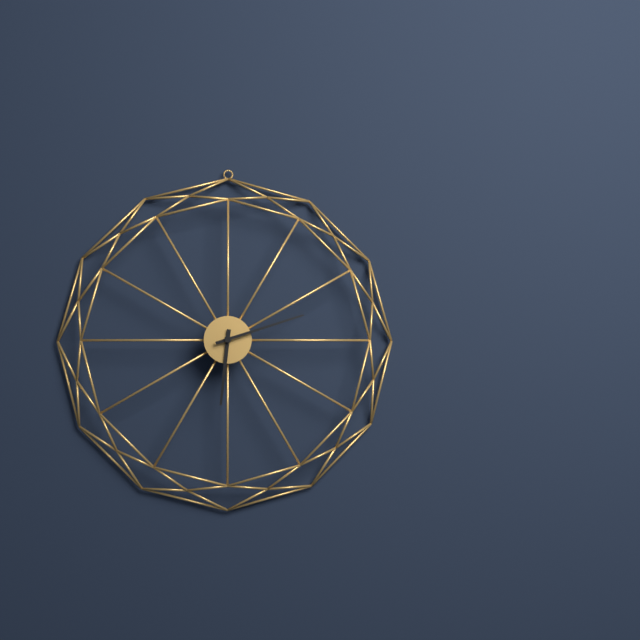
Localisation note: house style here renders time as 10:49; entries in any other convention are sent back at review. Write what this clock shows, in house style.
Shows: 6:12
